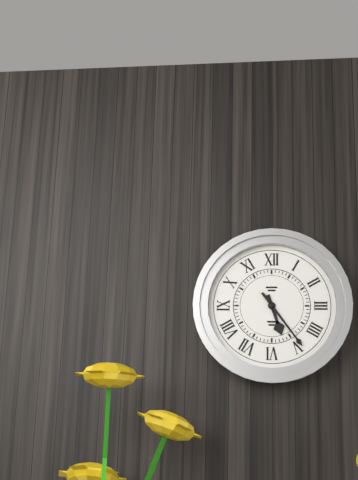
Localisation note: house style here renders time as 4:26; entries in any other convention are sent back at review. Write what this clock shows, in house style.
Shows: 5:24
